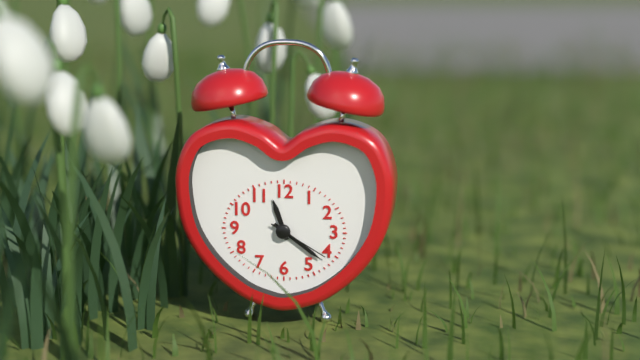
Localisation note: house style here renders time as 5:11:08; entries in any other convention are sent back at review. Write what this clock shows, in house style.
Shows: 11:21:20
